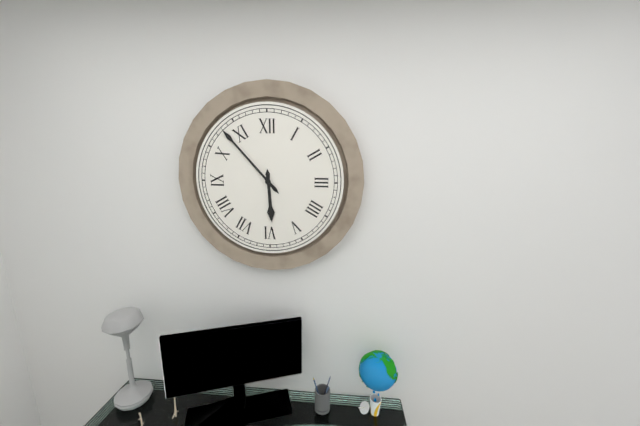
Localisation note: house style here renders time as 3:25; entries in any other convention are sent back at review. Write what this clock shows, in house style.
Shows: 5:53
